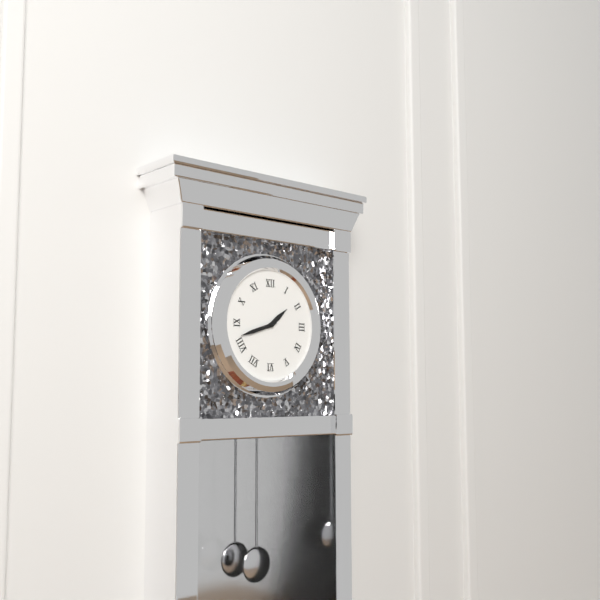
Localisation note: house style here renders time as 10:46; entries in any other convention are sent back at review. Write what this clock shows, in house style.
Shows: 1:42
